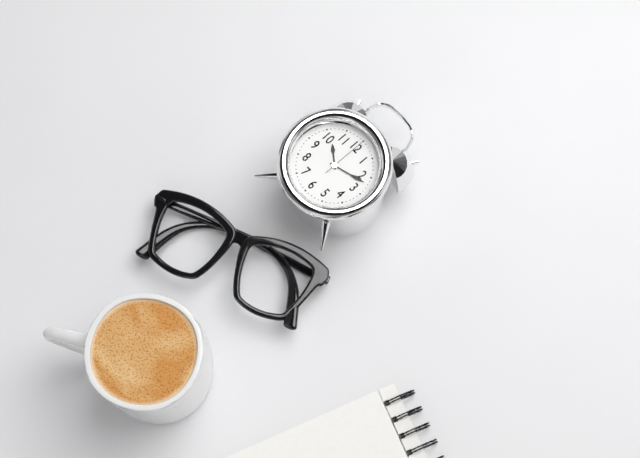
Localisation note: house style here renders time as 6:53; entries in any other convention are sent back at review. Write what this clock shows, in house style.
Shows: 10:12
